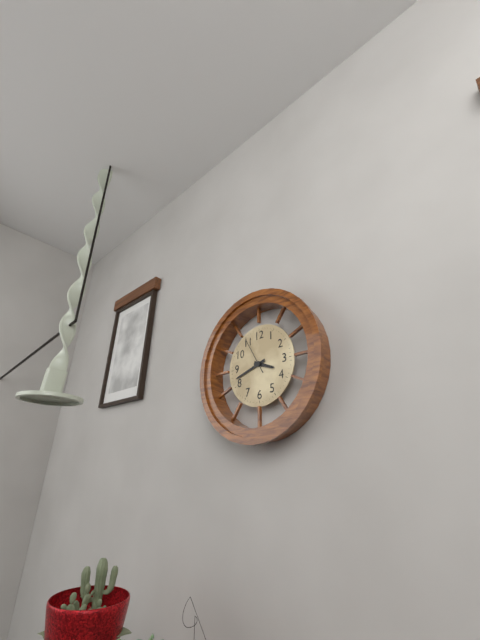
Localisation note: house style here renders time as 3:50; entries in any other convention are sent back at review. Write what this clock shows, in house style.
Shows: 3:42
